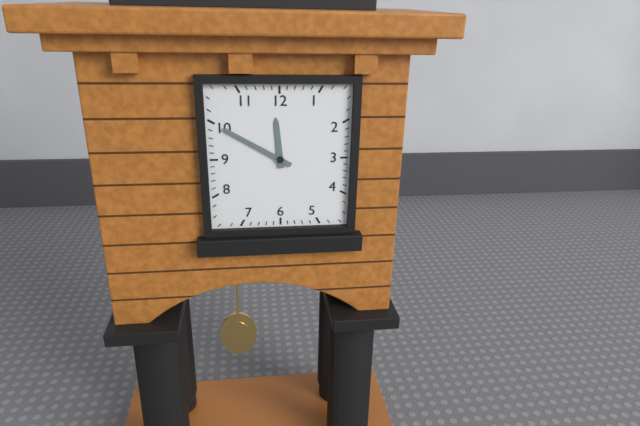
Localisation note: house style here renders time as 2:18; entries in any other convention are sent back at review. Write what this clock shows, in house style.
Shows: 11:50
